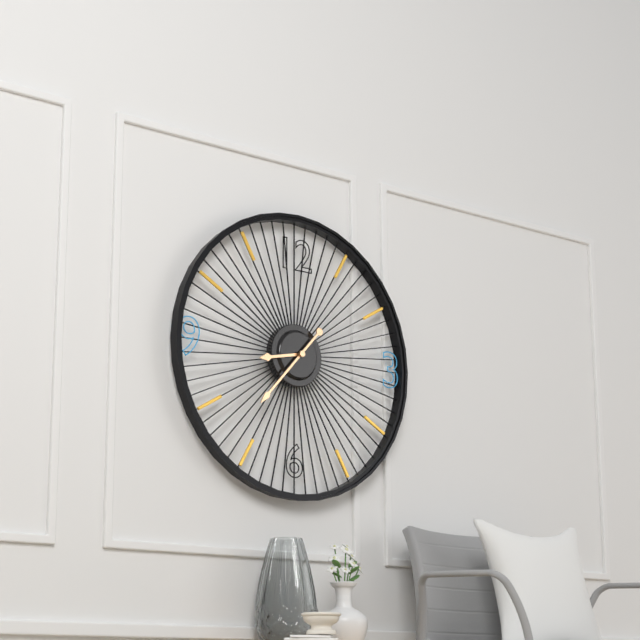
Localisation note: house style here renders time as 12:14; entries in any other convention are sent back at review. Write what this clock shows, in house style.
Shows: 8:37
